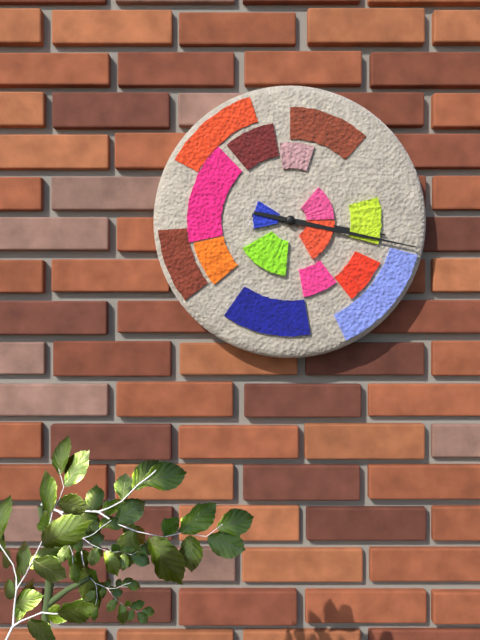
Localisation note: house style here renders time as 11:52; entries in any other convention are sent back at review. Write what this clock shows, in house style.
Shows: 3:17
